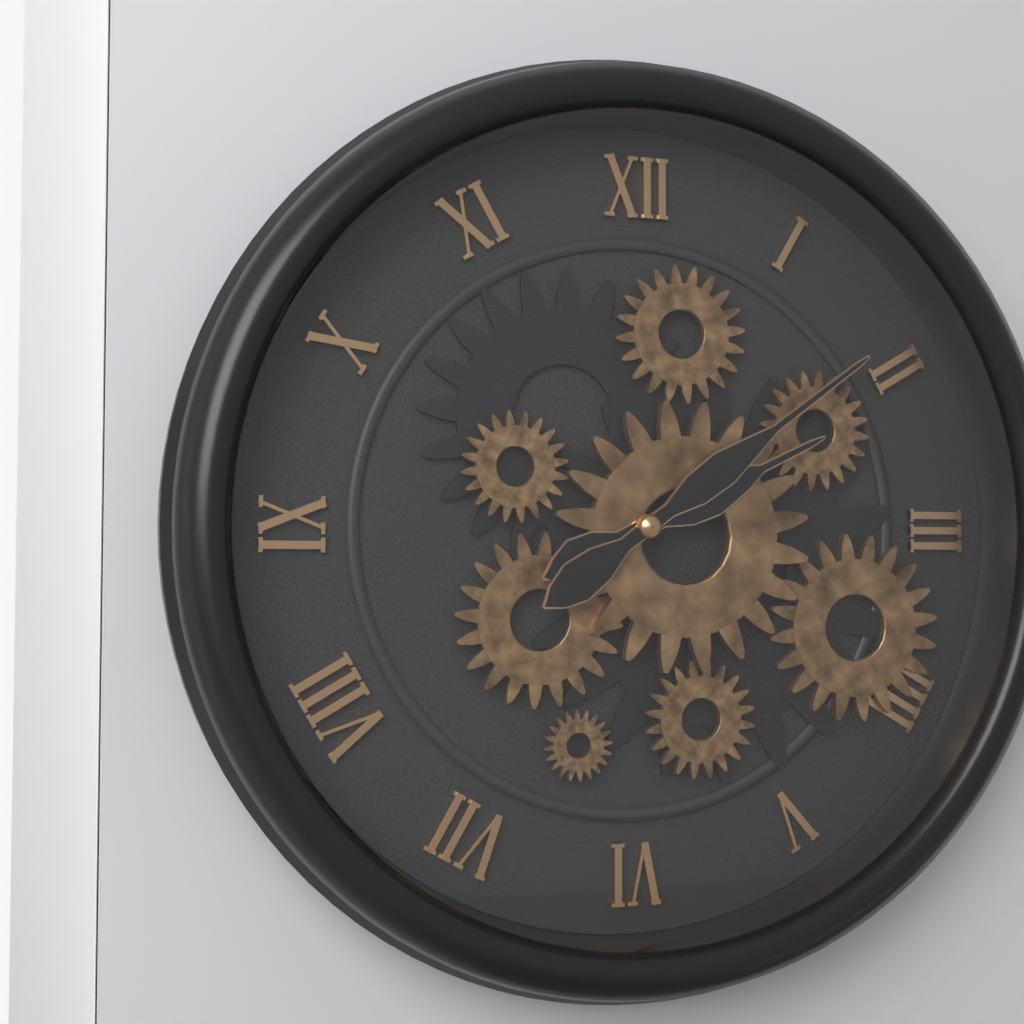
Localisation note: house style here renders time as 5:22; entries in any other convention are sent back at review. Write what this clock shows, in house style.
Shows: 2:09
